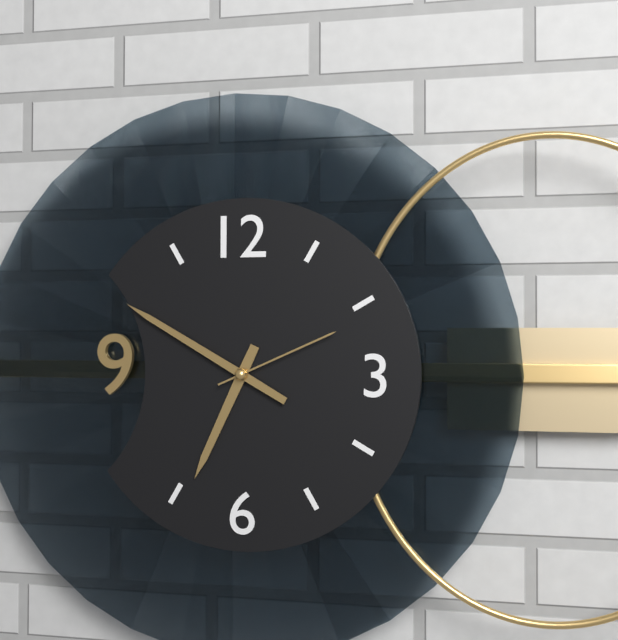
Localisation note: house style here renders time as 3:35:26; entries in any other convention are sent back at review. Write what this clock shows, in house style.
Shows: 6:50:11
